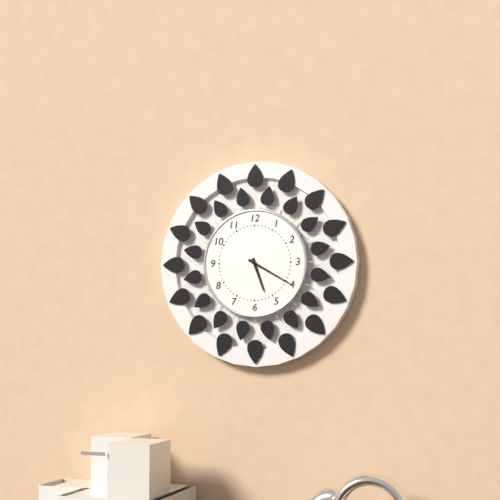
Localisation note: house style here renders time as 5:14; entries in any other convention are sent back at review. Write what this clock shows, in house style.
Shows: 5:20
